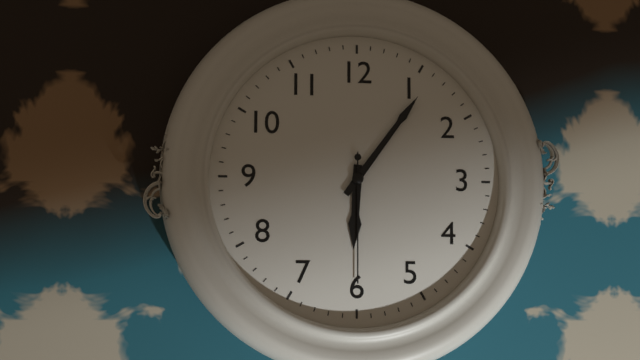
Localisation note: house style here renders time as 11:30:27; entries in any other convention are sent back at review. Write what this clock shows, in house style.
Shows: 6:06:30
